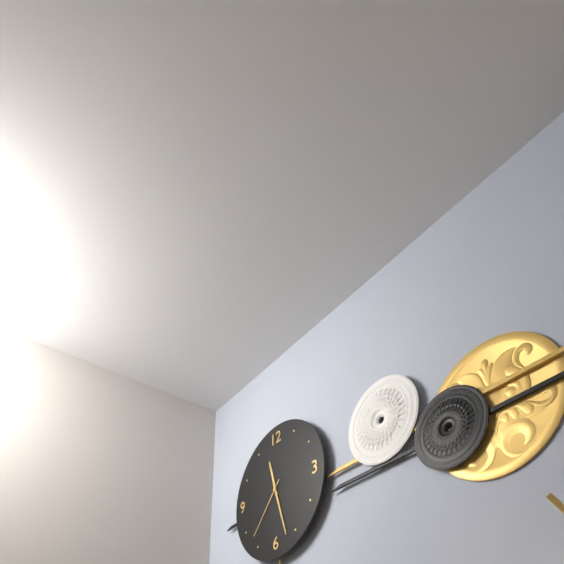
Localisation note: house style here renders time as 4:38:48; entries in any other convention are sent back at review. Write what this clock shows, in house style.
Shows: 11:27:37
